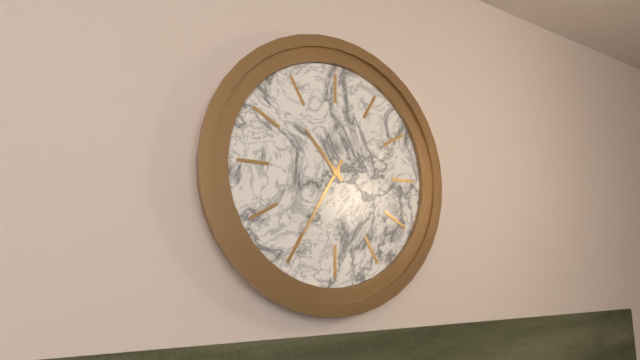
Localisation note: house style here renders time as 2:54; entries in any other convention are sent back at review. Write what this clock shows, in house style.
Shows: 10:35
